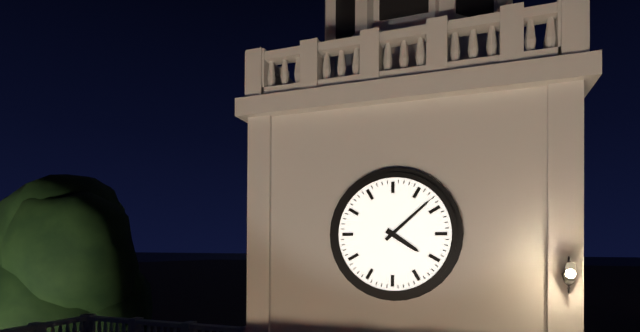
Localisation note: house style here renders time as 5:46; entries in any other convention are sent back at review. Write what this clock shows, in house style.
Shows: 4:08
